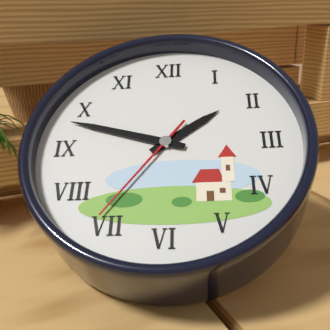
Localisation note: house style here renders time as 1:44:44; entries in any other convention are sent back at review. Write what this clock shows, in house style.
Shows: 1:48:36
